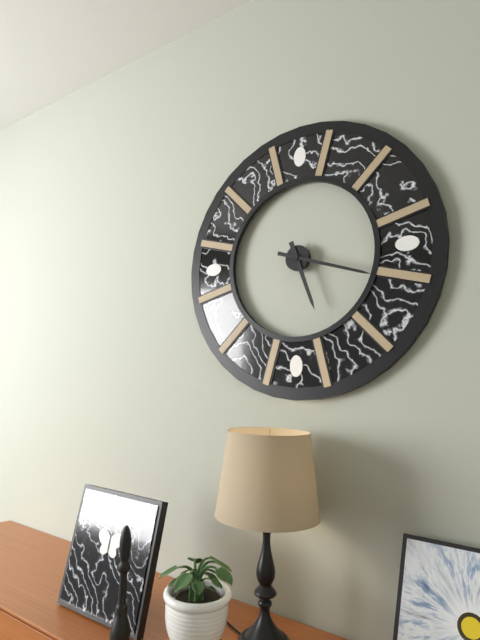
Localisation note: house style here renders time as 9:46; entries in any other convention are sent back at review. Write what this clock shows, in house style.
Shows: 5:18
